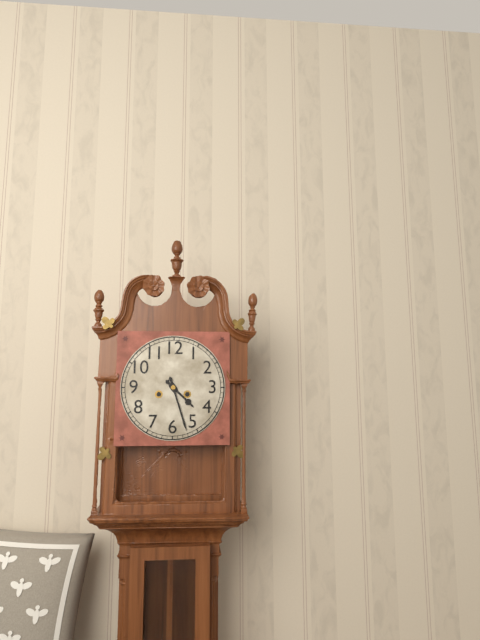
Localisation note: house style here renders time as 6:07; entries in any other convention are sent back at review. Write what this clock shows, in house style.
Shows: 4:27
